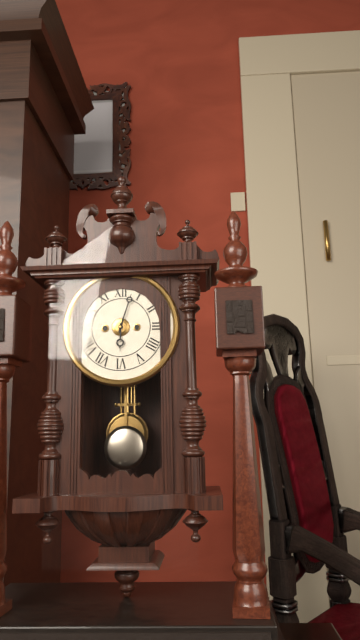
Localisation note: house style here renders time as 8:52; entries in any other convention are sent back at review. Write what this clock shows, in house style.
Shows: 6:03
